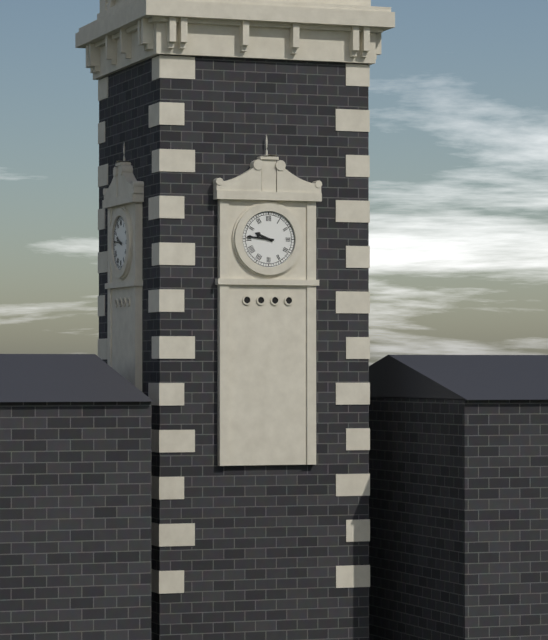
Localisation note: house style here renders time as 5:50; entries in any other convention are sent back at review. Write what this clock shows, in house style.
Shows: 9:46
